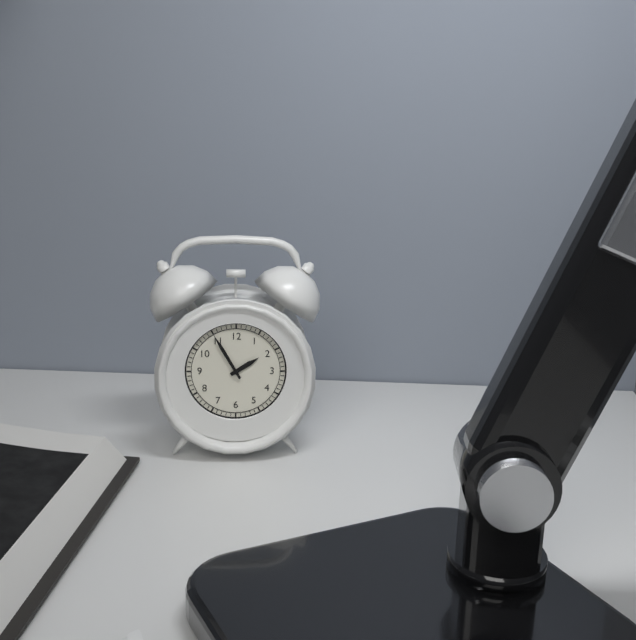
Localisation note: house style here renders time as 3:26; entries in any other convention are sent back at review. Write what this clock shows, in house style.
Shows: 1:55
